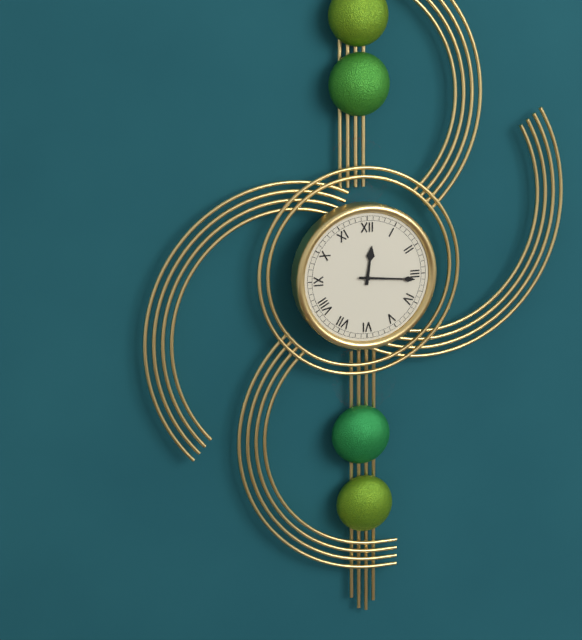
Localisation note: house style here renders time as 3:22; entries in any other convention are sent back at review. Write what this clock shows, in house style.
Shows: 12:16
